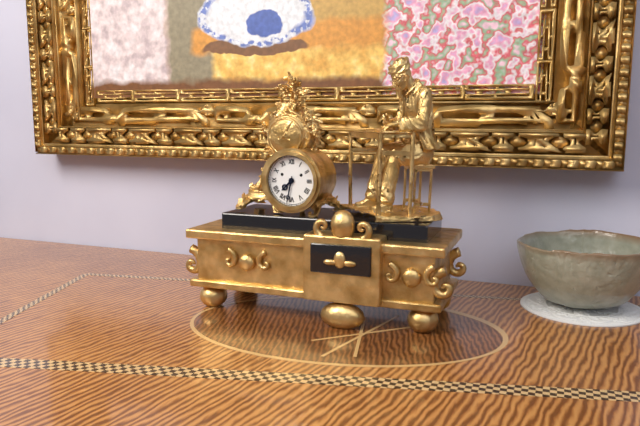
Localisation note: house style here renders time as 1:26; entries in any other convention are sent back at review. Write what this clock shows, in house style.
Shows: 7:32
